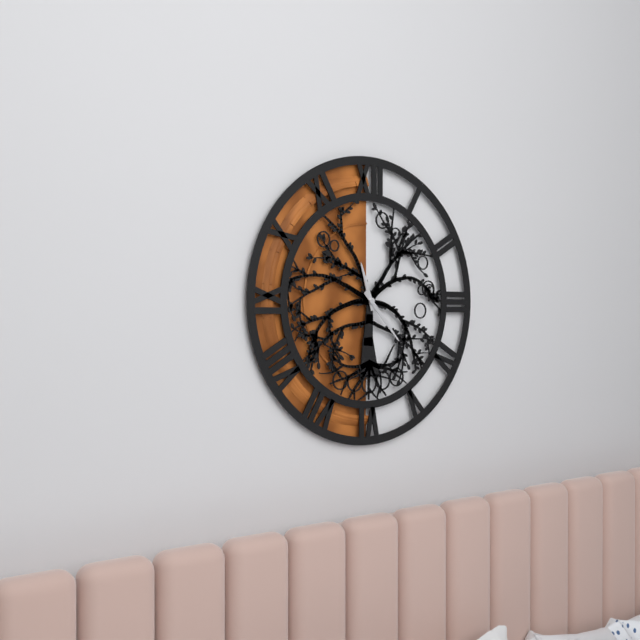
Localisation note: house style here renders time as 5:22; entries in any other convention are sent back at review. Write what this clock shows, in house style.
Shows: 11:23
